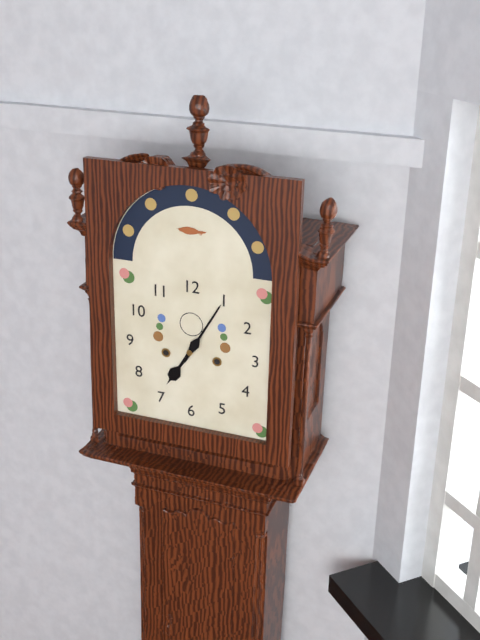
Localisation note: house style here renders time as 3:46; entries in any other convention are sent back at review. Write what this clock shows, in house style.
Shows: 7:05
